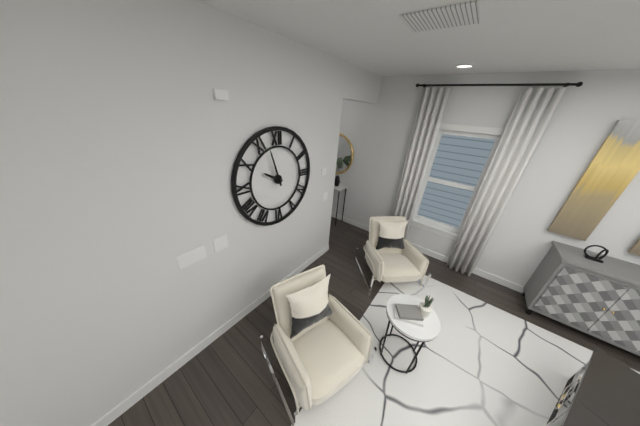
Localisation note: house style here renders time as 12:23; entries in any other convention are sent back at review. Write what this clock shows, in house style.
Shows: 9:57
